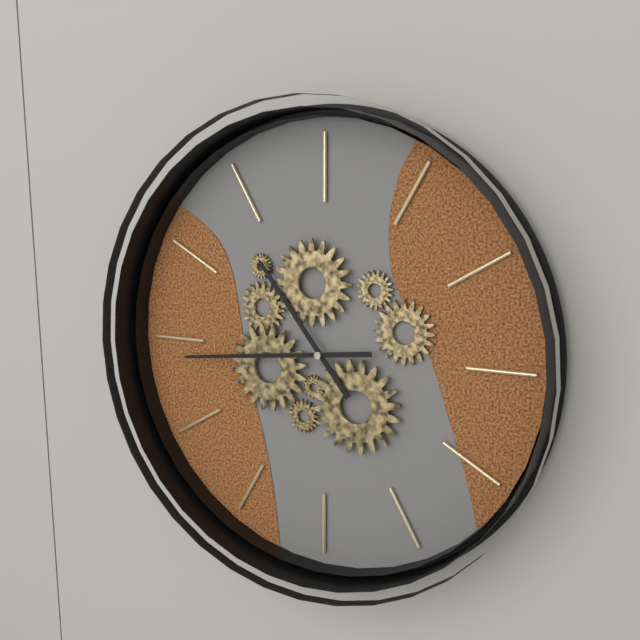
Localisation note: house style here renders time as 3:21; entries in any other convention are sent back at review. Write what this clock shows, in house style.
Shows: 10:44
